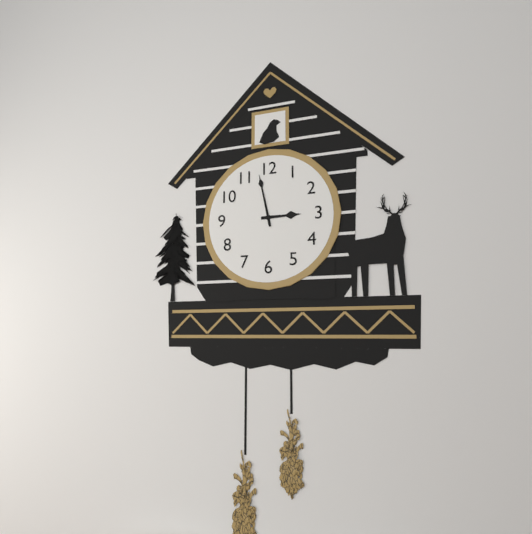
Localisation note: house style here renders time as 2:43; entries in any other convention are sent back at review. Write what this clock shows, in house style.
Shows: 2:58
